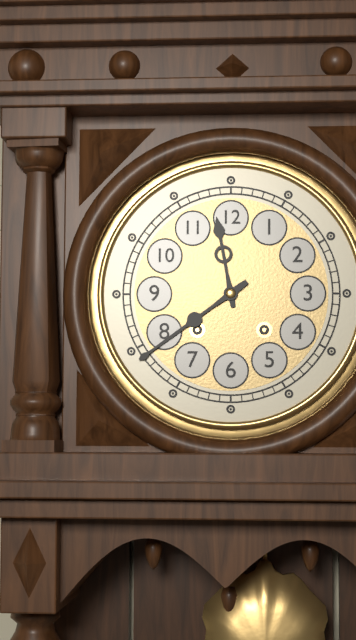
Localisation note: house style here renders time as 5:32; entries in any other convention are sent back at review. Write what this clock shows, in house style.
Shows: 11:39
